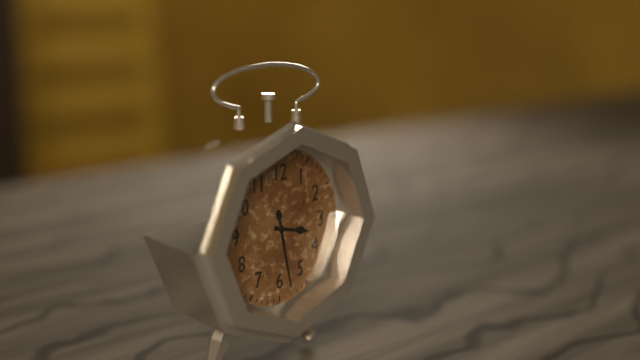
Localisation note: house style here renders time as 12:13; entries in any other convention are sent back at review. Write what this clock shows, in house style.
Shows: 3:28
